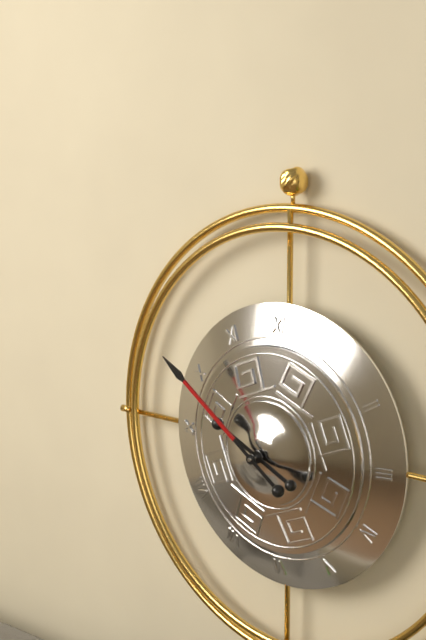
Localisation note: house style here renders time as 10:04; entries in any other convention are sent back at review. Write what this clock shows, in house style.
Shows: 9:51
